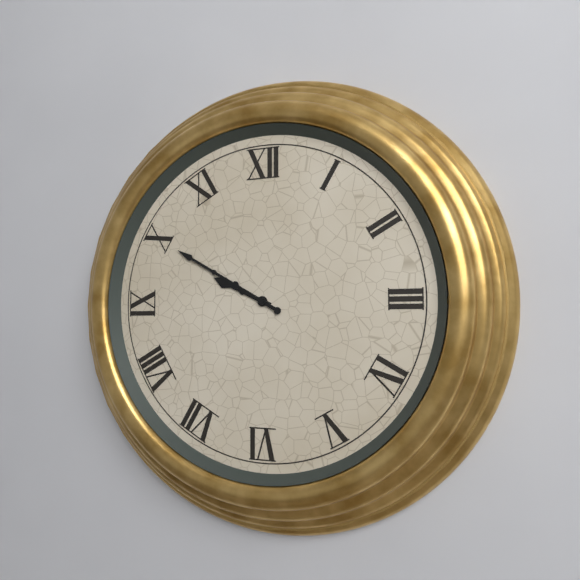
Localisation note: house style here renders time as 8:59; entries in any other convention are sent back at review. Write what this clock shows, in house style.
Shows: 9:50
